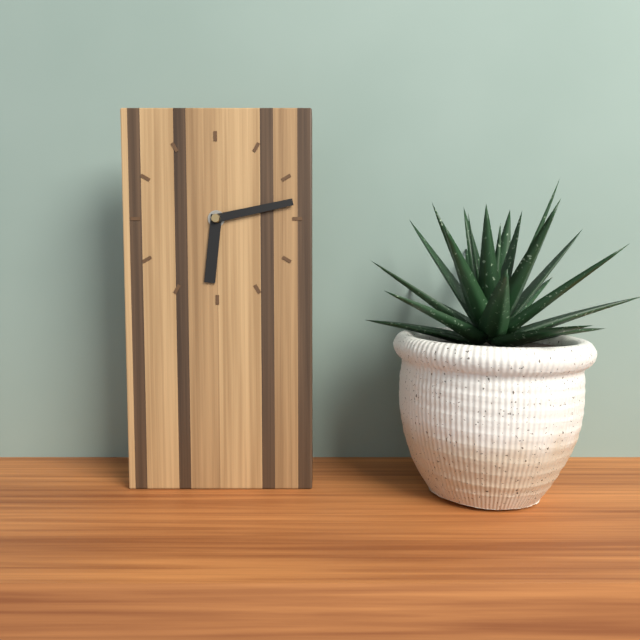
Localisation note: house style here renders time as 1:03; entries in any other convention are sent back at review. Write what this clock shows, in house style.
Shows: 6:13
